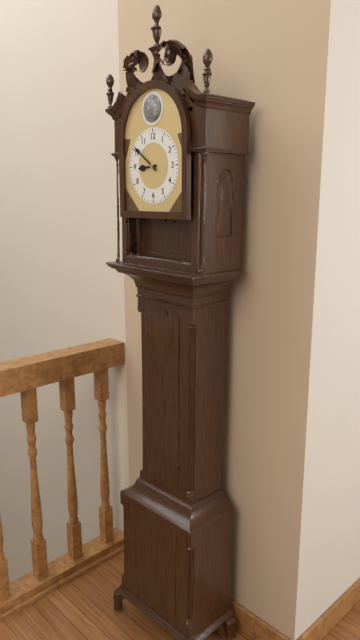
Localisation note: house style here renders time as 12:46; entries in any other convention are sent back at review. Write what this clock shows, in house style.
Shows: 8:51
